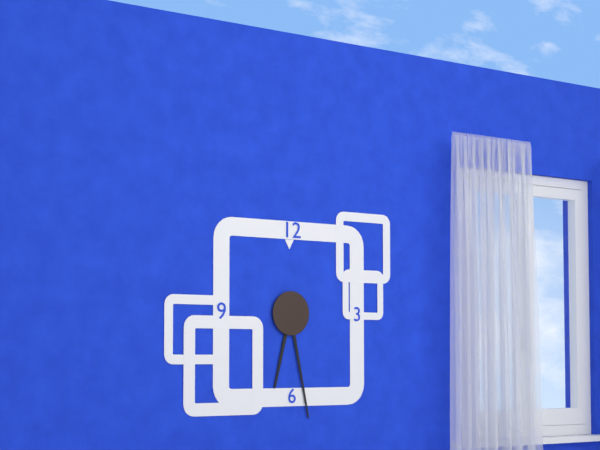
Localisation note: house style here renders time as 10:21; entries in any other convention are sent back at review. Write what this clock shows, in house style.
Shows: 6:28
